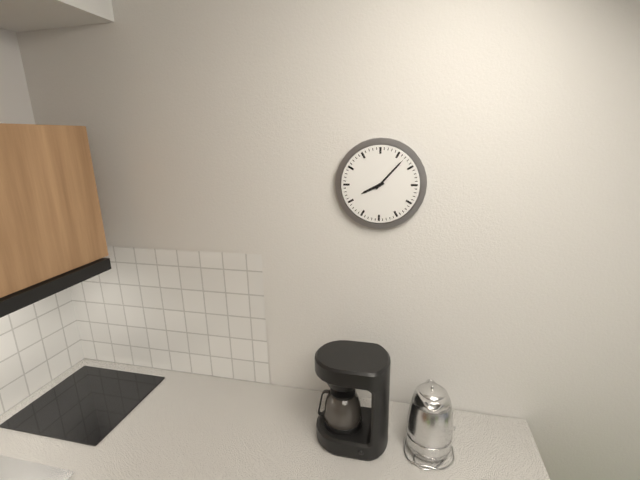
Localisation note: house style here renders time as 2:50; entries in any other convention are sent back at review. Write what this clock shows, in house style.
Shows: 8:07
